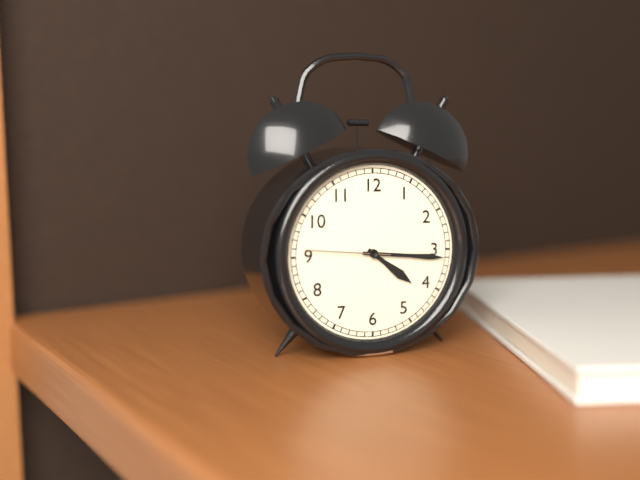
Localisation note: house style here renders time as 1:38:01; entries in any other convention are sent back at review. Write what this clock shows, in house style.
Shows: 4:16:46
